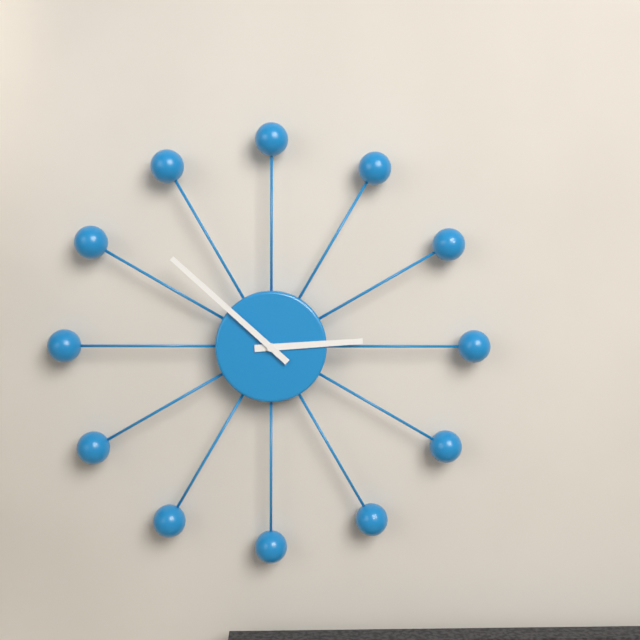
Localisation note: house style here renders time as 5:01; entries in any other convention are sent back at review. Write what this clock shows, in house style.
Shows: 2:52
